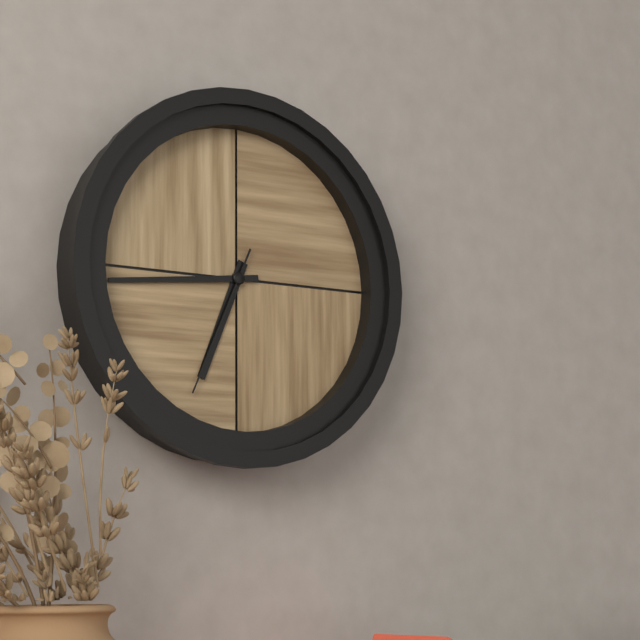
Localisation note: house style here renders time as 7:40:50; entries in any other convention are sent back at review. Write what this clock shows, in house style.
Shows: 6:44:34
